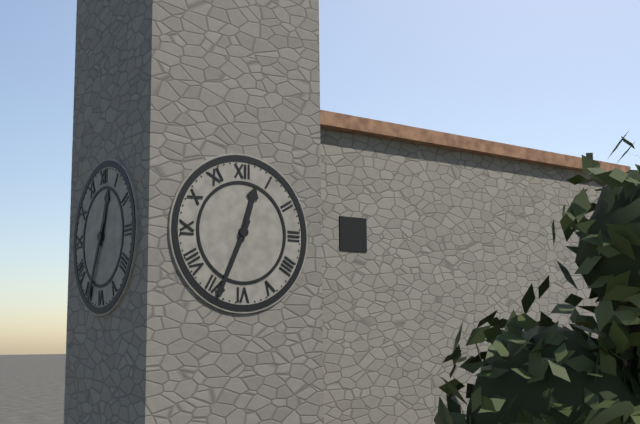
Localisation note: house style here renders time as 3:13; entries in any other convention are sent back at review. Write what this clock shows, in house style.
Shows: 12:34
